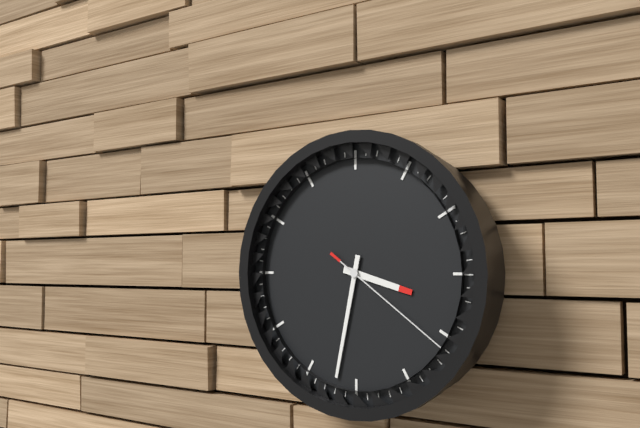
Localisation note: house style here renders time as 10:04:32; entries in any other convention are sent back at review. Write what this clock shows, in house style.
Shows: 3:32:21
